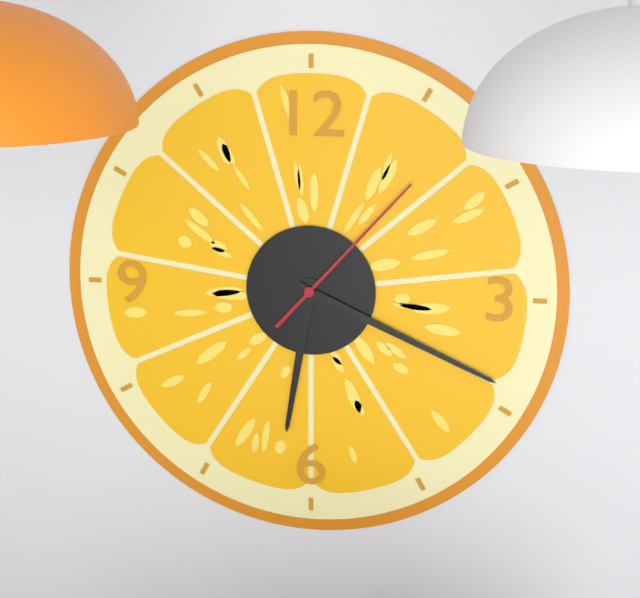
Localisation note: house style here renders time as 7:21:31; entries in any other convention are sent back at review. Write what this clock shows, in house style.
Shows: 6:19:07
